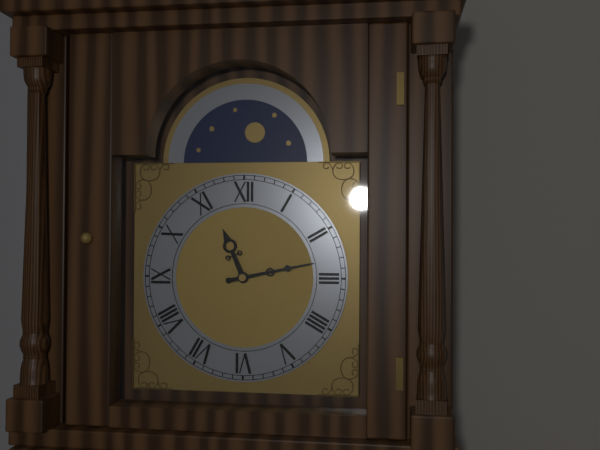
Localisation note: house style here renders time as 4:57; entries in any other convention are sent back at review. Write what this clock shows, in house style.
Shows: 11:13
